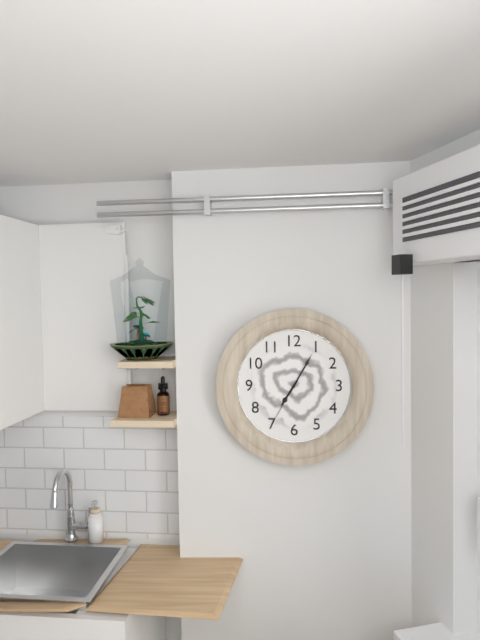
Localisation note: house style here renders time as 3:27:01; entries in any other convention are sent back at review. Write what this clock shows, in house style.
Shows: 7:05:35
